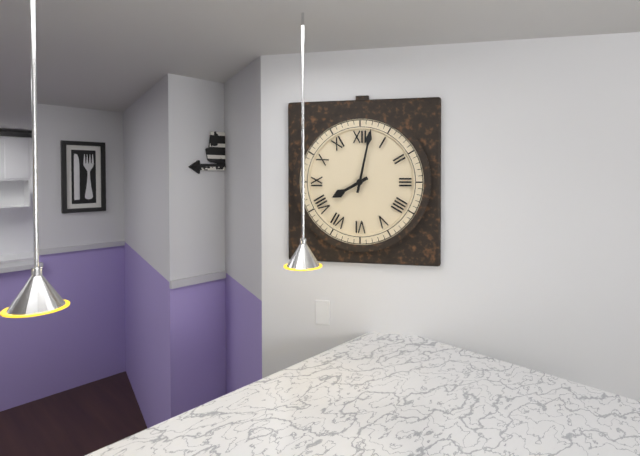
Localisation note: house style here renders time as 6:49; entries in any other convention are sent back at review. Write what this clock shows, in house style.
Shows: 8:02
